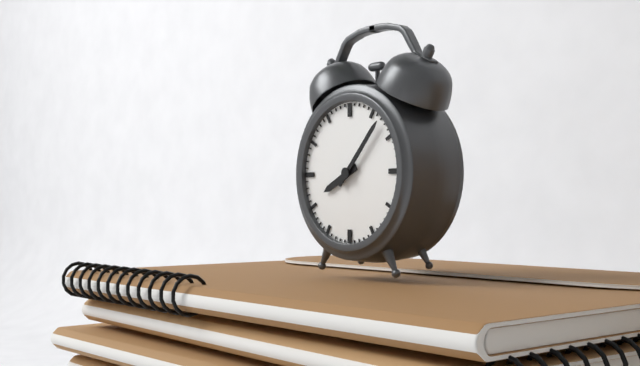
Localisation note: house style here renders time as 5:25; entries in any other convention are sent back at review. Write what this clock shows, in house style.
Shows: 8:07
